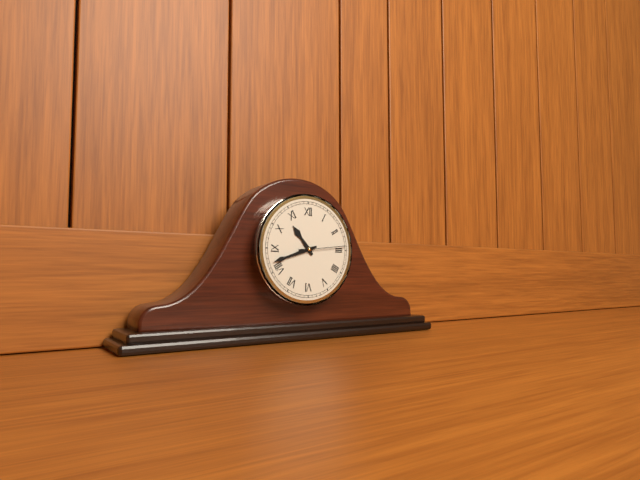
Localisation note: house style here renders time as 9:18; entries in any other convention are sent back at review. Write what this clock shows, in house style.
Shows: 10:42
